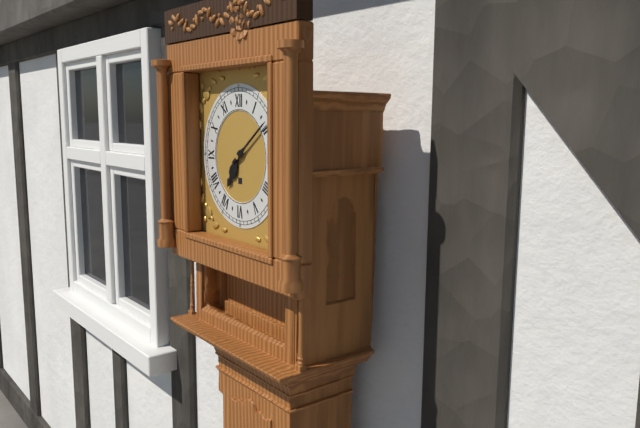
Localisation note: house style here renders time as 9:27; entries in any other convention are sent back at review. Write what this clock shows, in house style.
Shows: 7:09
